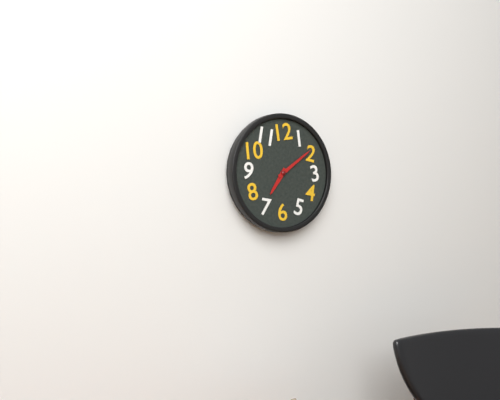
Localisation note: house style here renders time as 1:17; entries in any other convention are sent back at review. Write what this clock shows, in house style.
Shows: 7:09
